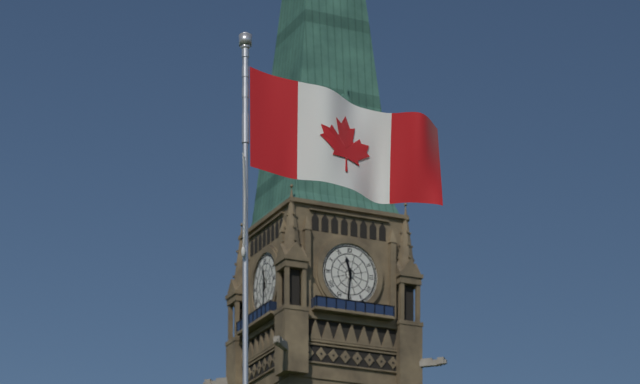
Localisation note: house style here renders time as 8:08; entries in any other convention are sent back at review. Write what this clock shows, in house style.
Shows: 11:31
